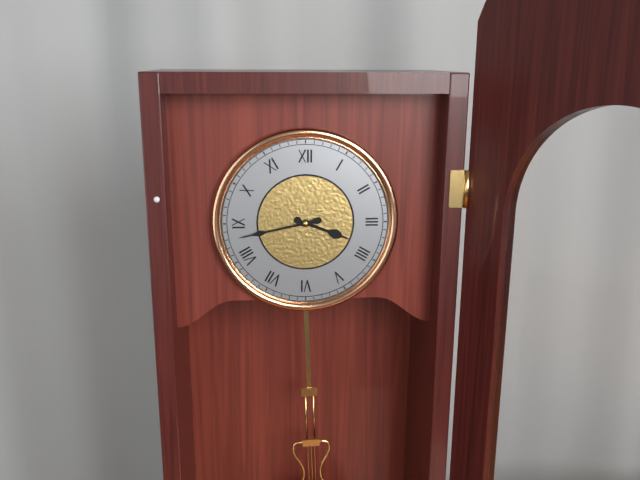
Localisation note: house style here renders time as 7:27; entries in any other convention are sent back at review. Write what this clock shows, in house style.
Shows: 3:43
